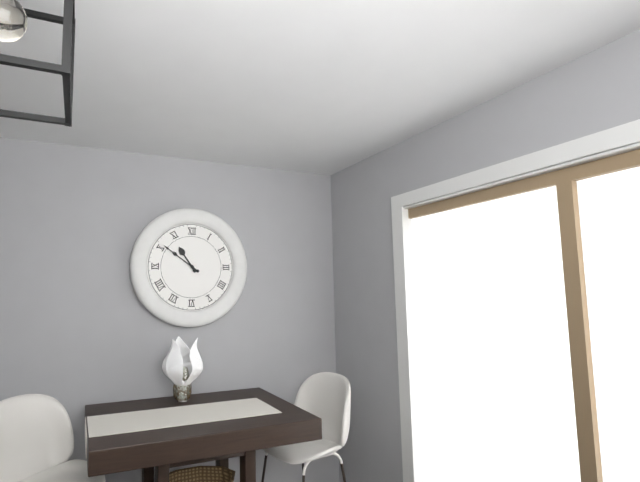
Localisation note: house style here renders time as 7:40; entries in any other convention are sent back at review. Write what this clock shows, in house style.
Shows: 10:51
